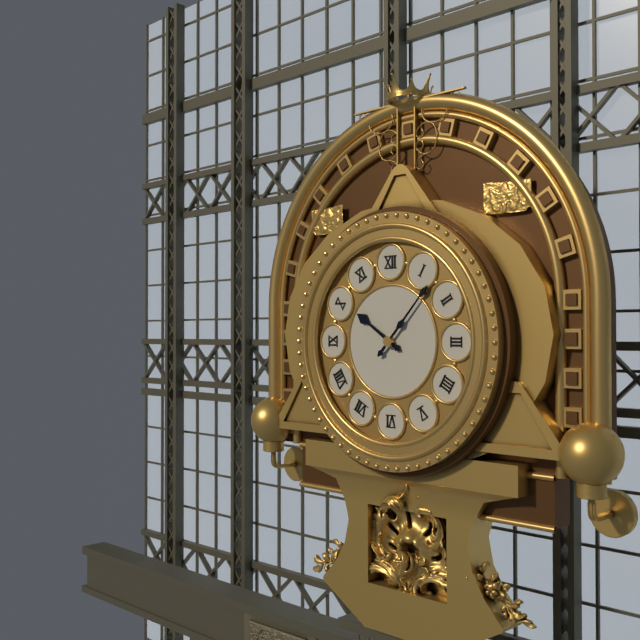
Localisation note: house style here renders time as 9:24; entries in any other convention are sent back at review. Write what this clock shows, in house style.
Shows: 10:07
